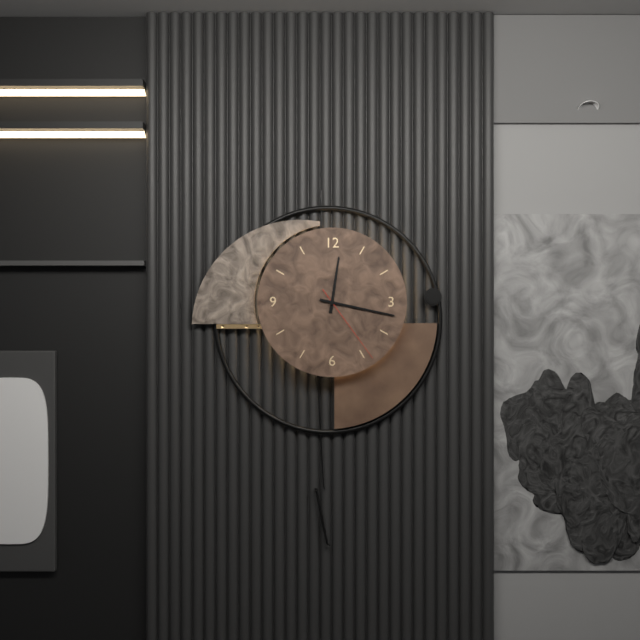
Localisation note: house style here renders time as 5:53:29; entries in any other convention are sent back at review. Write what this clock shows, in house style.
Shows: 12:17:24
